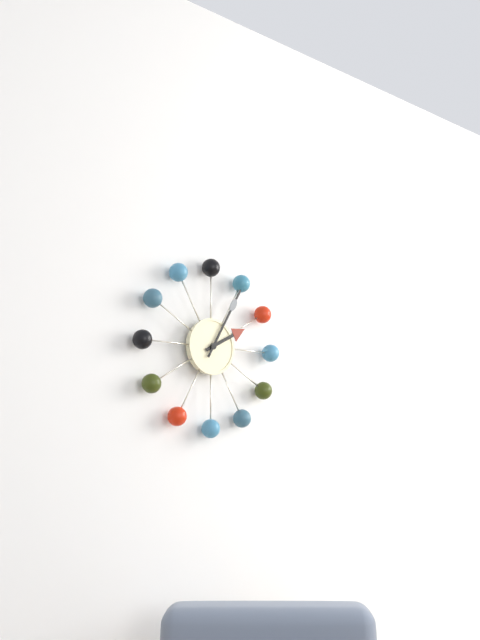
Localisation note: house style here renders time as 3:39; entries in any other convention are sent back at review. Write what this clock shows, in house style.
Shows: 2:05
